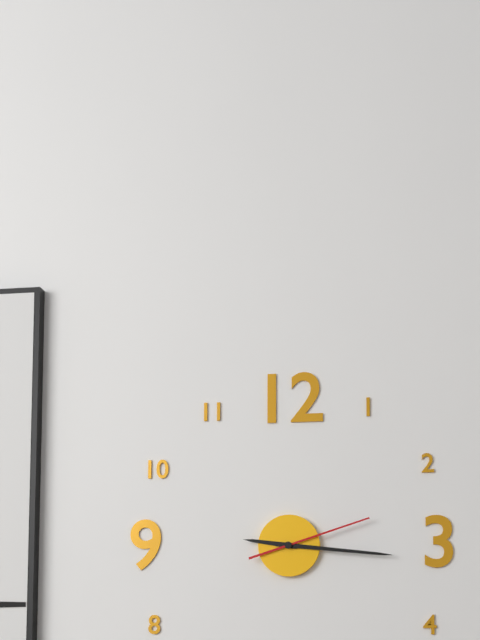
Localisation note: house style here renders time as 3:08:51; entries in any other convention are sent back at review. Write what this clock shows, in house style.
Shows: 9:16:12
